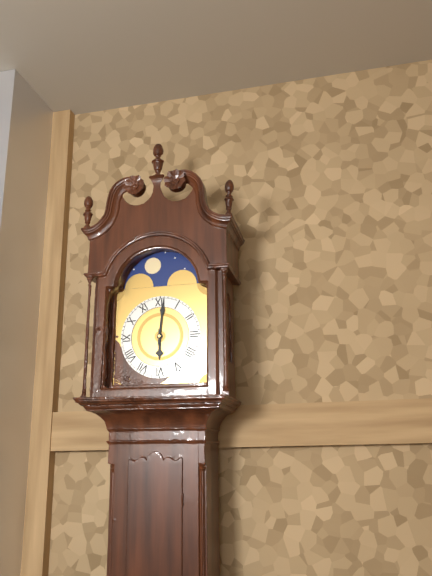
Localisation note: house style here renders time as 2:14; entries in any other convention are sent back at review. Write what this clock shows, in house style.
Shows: 6:01
